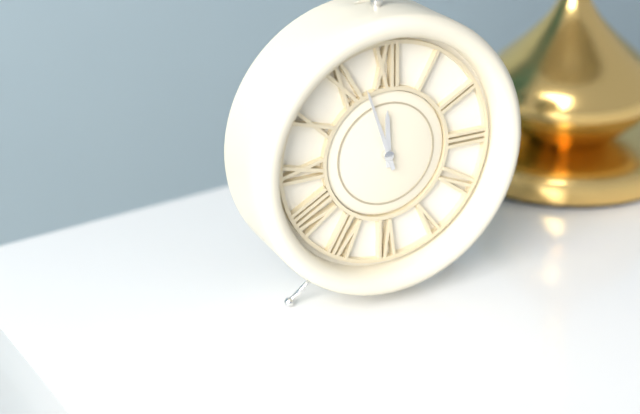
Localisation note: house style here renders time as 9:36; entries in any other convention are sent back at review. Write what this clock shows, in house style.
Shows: 11:57
